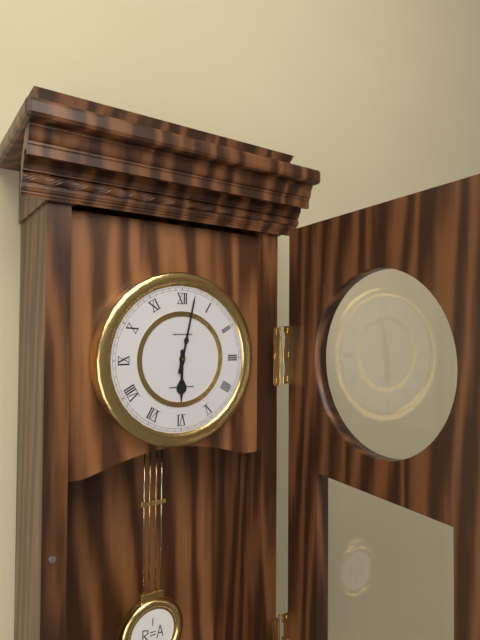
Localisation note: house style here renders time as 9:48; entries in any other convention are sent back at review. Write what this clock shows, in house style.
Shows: 6:02
